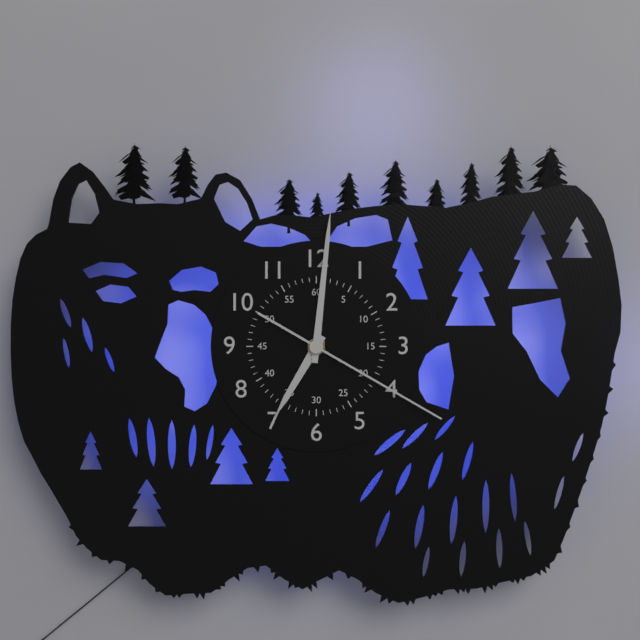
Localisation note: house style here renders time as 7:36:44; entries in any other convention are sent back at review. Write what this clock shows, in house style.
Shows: 7:01:20
